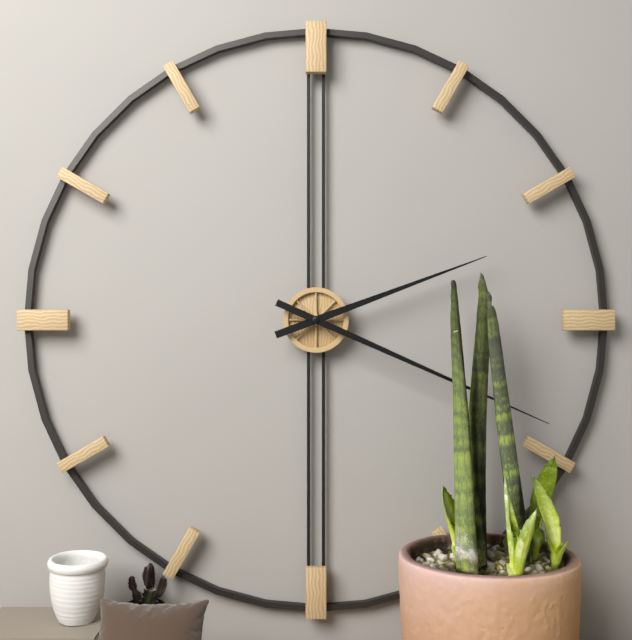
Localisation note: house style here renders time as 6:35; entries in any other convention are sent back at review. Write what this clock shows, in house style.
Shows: 2:19
